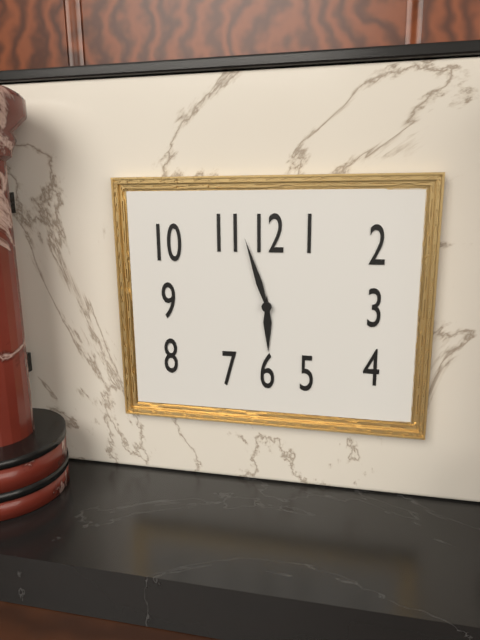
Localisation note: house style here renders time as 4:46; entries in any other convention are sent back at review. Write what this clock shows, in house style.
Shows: 5:57
